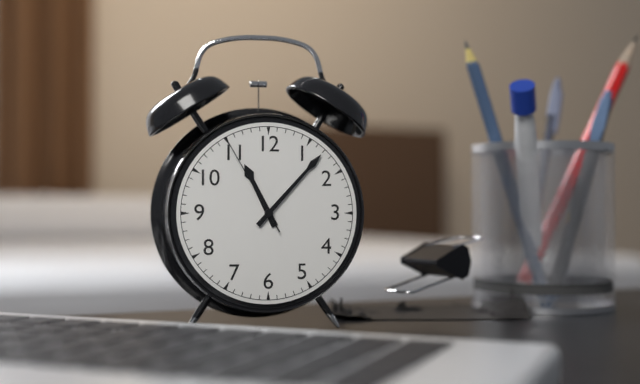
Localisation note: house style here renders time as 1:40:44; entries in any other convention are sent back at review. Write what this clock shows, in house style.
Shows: 11:07:55
